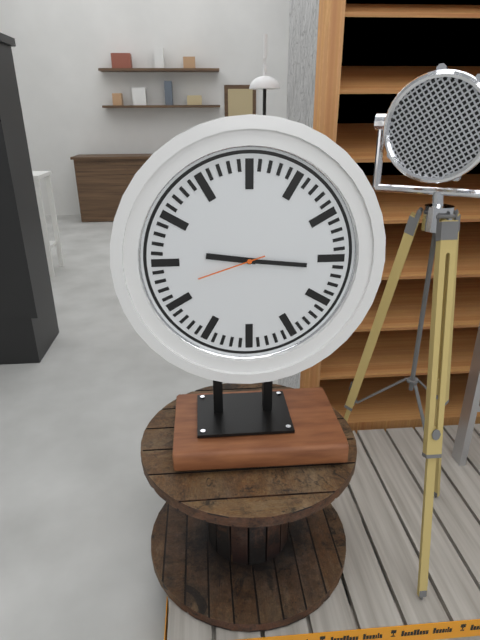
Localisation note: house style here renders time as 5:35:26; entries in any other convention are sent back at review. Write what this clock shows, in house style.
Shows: 9:16:42
